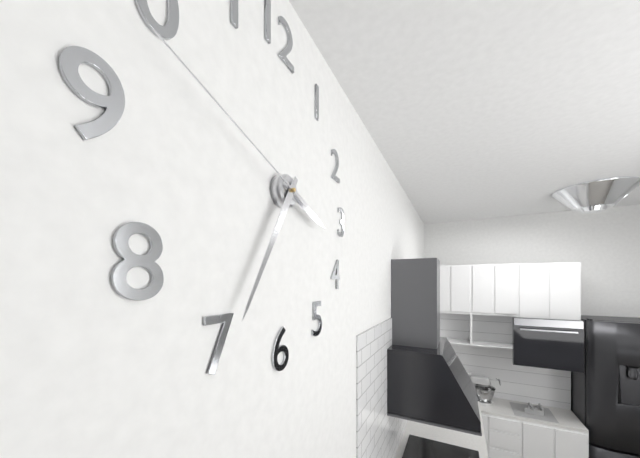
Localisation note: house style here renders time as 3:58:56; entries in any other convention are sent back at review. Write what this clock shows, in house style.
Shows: 3:35:48
